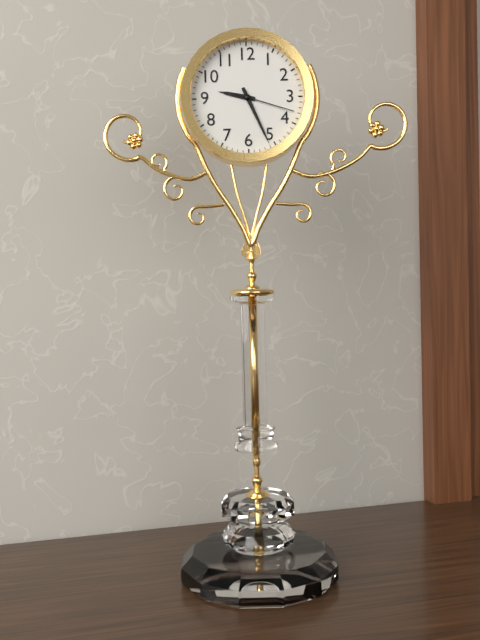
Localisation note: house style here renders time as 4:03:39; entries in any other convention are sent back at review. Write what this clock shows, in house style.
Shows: 9:26:18
